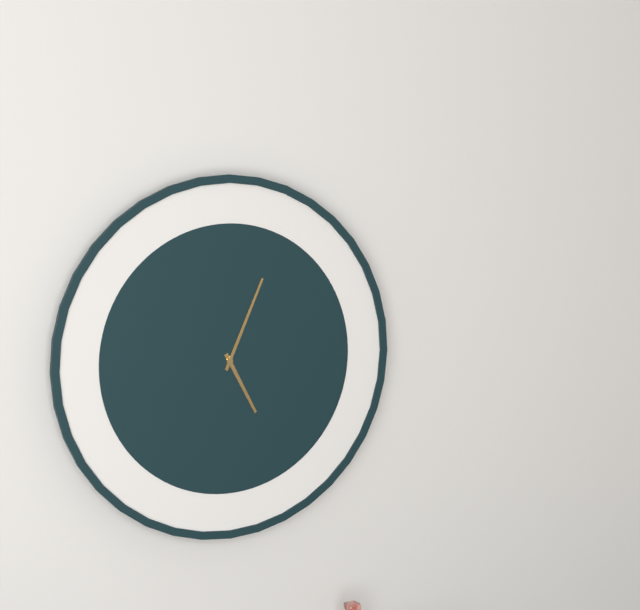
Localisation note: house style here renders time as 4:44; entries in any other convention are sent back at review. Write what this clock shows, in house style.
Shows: 5:04
